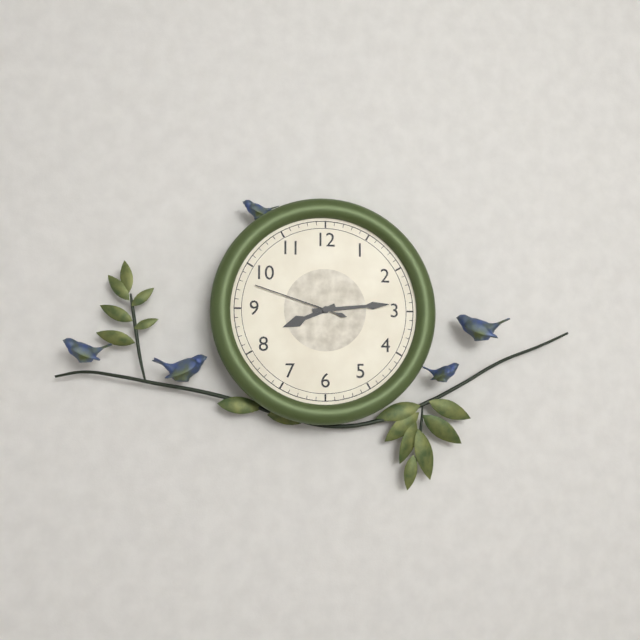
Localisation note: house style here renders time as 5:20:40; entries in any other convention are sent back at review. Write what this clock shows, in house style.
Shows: 8:14:48
